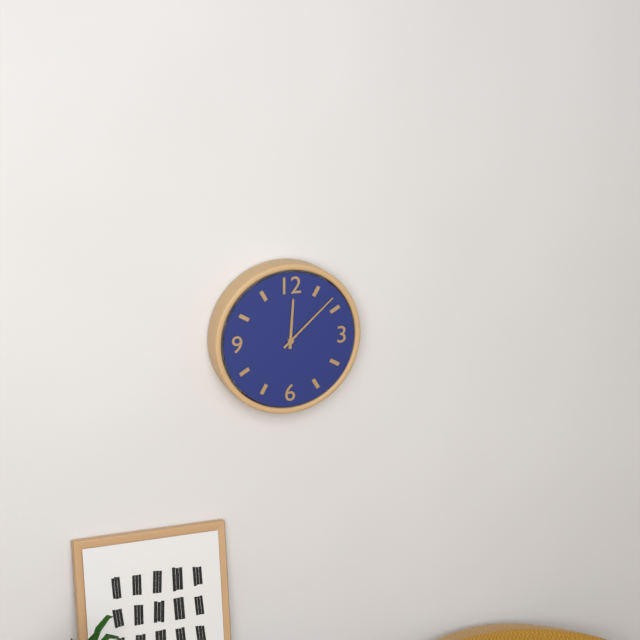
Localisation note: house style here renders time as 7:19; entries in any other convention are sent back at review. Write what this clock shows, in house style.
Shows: 12:08
